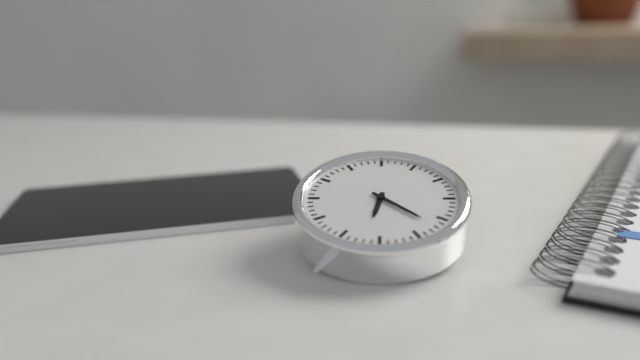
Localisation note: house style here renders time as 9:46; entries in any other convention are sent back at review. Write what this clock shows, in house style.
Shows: 6:22
